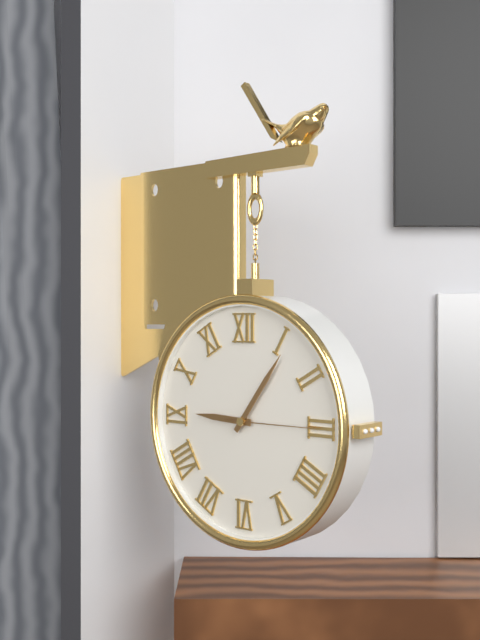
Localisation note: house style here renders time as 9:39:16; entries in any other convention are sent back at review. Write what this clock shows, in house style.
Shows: 9:06:15
